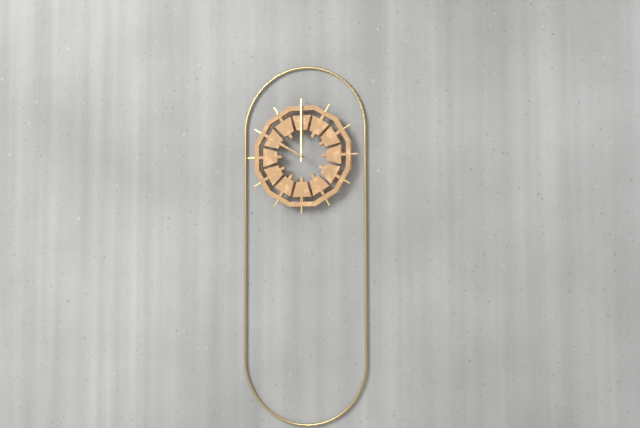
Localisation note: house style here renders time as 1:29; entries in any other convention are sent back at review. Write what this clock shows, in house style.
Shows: 10:00
